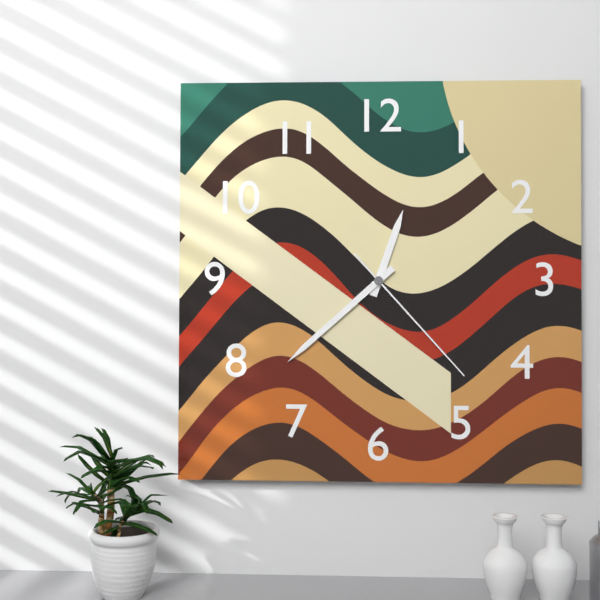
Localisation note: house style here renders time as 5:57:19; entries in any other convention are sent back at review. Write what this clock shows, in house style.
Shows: 12:38:23
